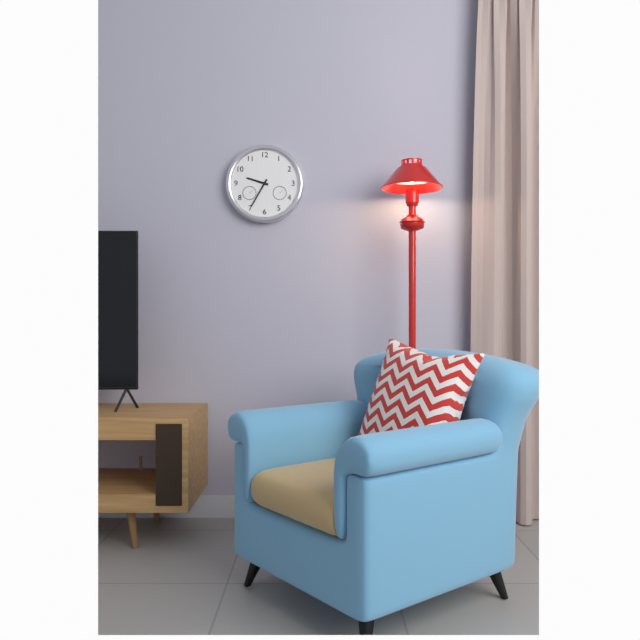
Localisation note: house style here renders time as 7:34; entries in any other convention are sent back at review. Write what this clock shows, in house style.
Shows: 9:35
